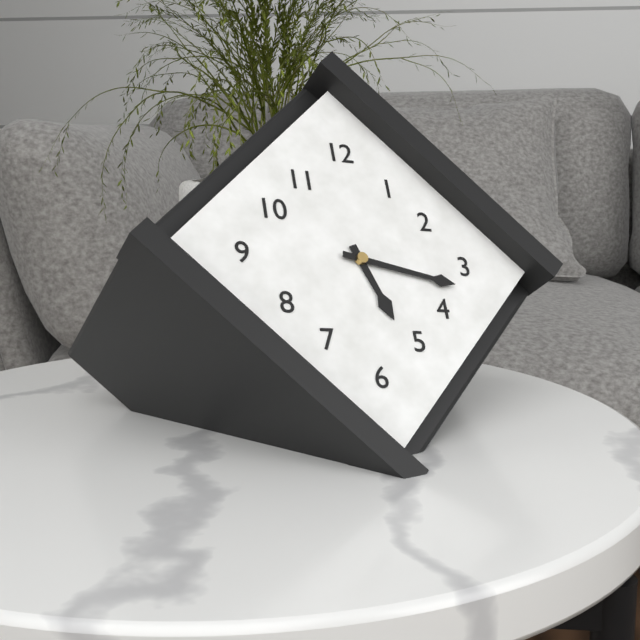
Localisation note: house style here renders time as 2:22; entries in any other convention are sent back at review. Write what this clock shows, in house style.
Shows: 5:17
